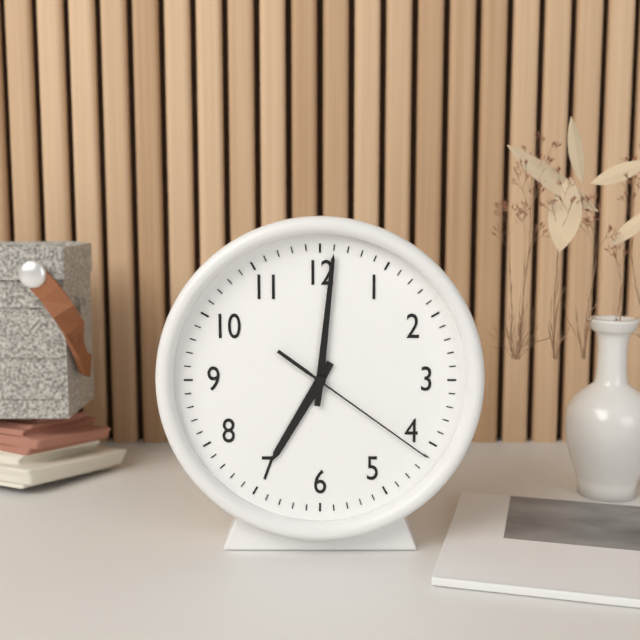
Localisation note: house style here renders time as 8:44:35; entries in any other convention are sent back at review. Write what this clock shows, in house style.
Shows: 7:01:21
